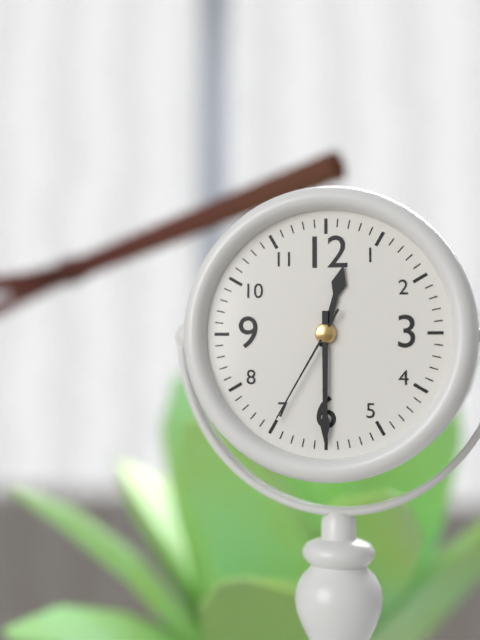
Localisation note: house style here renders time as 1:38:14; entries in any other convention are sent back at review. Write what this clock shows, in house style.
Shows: 12:30:35
